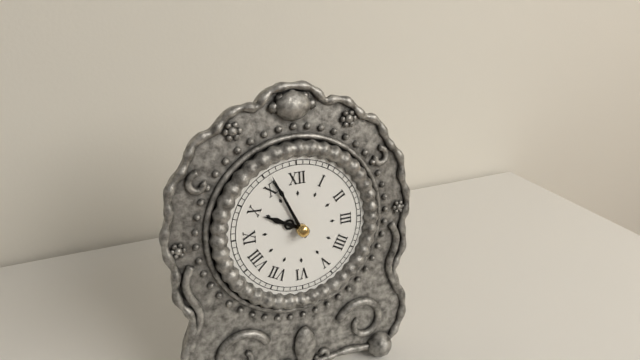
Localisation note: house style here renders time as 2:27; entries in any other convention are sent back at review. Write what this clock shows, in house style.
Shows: 9:56
